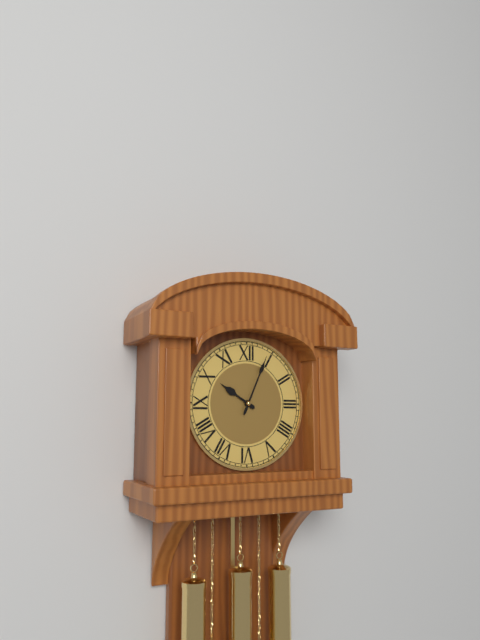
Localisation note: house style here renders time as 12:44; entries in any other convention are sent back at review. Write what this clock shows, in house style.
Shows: 10:04
